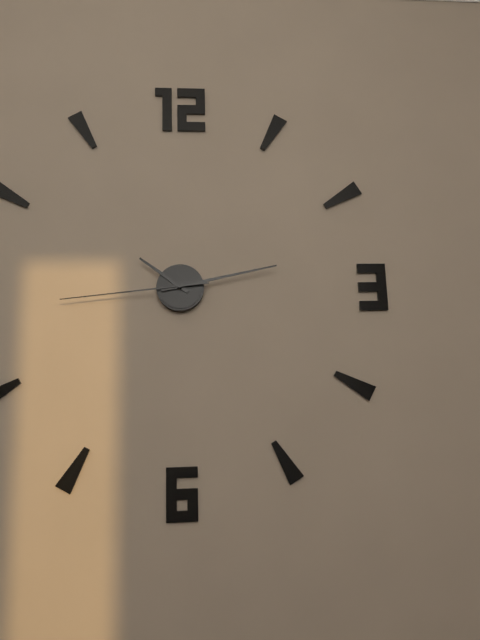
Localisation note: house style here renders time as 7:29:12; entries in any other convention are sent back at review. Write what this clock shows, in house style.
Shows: 10:13:44
